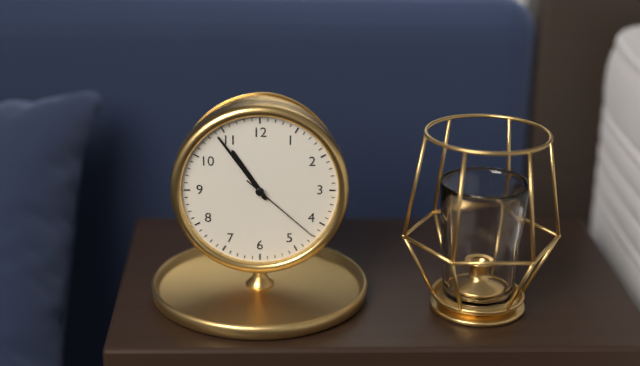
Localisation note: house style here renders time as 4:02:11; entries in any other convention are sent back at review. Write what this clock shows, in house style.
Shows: 10:54:22
